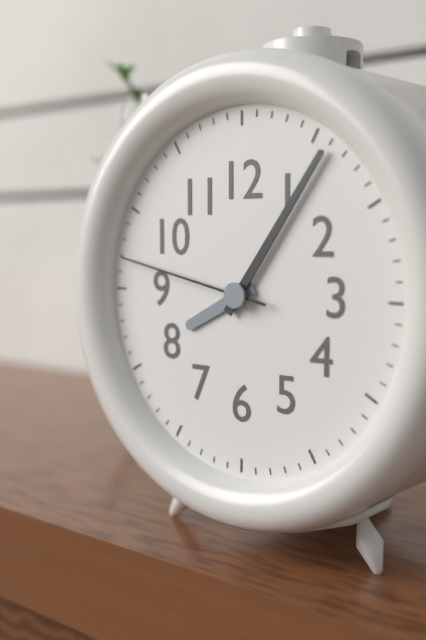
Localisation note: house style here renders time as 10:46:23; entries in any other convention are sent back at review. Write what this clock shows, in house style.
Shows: 8:06:47
